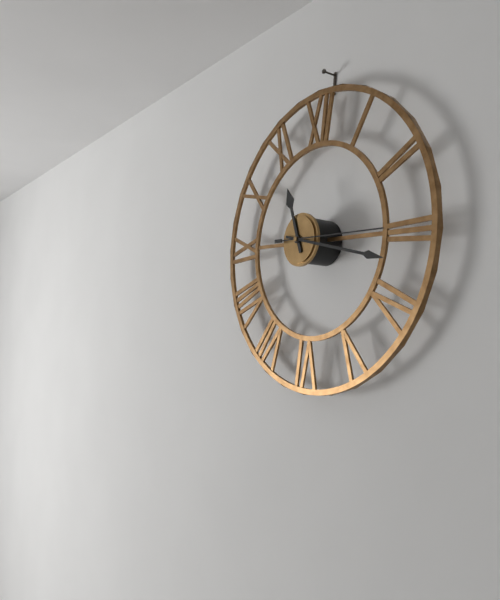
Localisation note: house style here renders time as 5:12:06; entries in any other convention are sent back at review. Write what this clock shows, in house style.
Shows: 11:17:15
